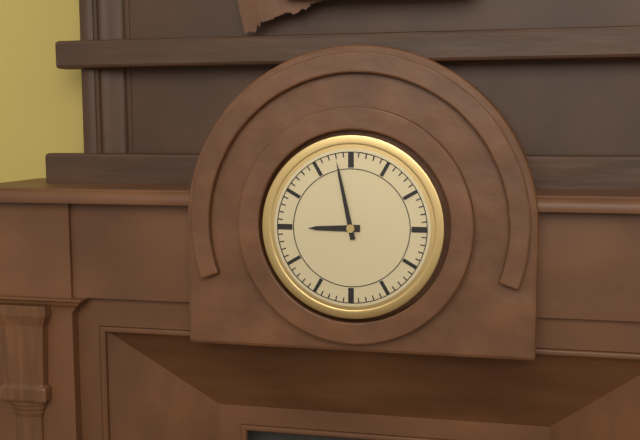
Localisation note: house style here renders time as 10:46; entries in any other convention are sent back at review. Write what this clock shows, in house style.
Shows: 8:58
